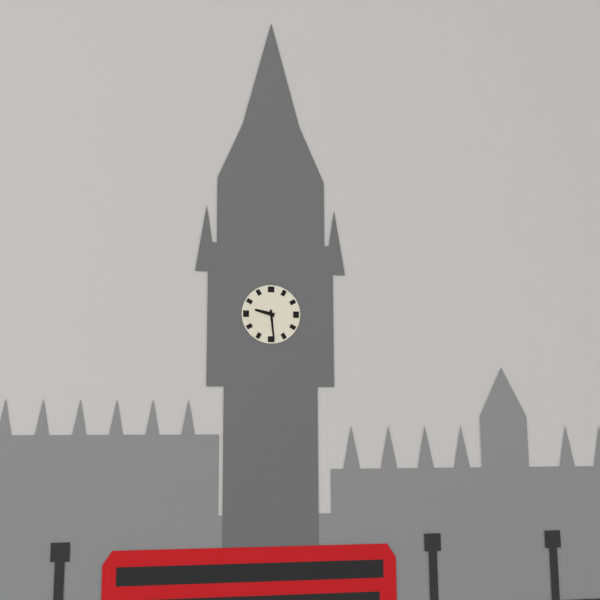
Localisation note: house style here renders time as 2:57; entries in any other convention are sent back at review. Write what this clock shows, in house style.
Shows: 9:29
